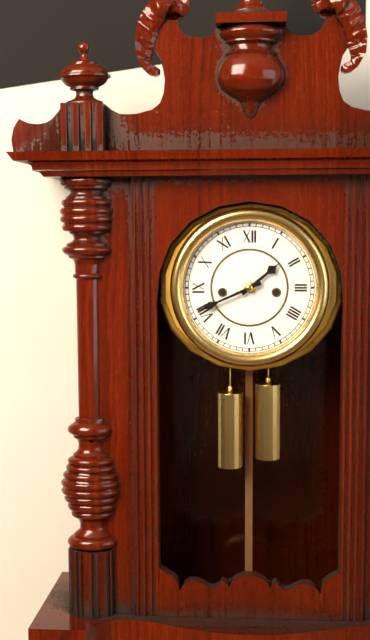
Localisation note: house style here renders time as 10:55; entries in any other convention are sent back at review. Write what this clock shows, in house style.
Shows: 1:41
